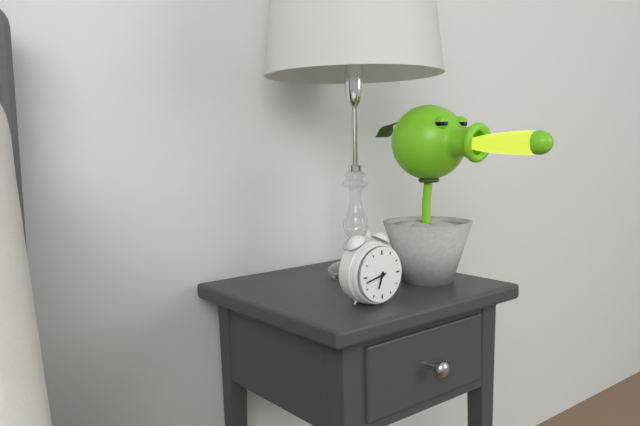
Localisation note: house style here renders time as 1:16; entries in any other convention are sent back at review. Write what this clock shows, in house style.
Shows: 6:43
